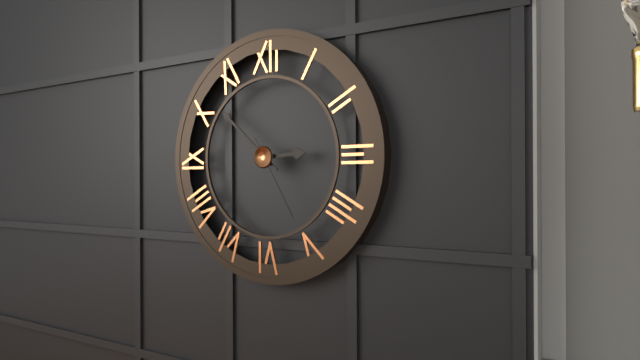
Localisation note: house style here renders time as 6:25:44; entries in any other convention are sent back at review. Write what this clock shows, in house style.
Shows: 2:52:25
